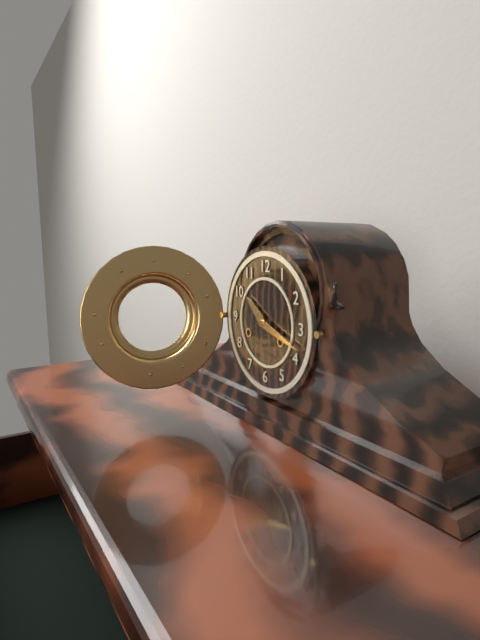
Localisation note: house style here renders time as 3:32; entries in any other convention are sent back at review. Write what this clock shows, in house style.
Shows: 10:18
